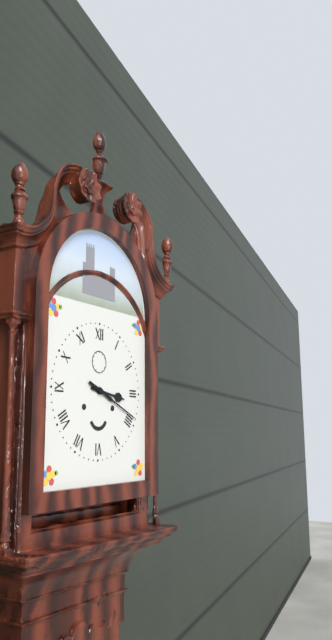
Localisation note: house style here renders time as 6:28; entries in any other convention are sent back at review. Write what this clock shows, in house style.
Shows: 3:19
